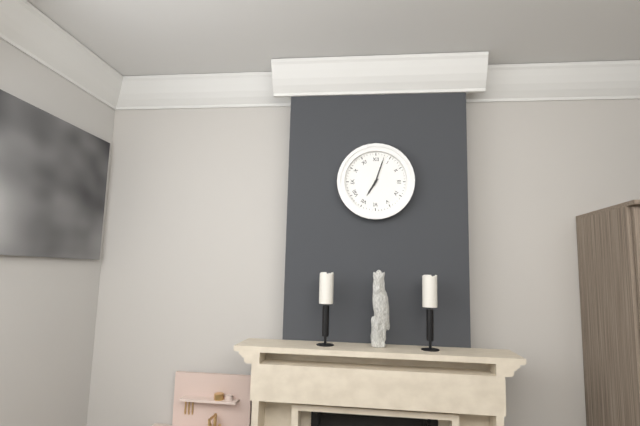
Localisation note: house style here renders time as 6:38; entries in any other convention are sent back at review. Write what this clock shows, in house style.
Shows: 7:03
